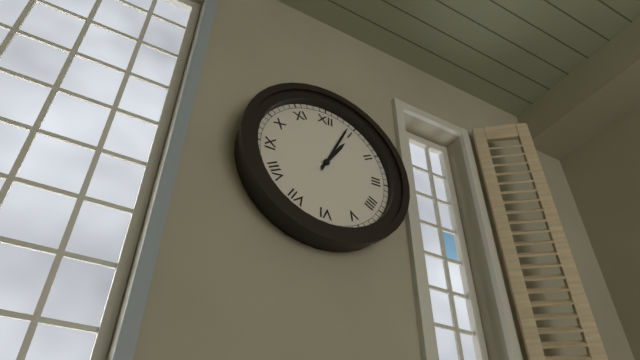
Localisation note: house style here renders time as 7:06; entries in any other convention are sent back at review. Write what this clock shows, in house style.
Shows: 1:04
